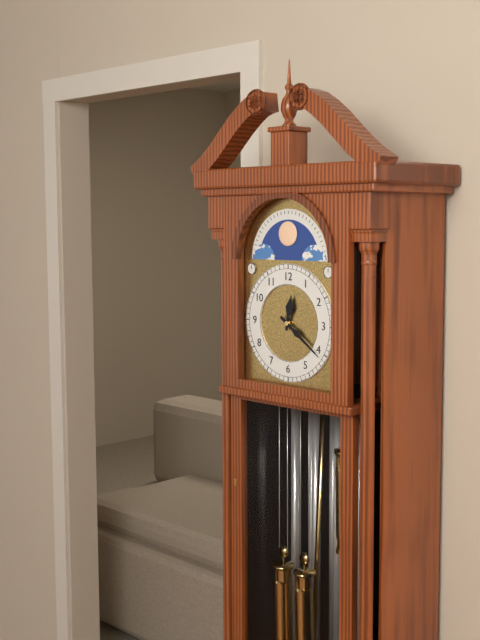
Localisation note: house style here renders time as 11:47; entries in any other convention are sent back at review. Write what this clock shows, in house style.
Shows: 12:21
